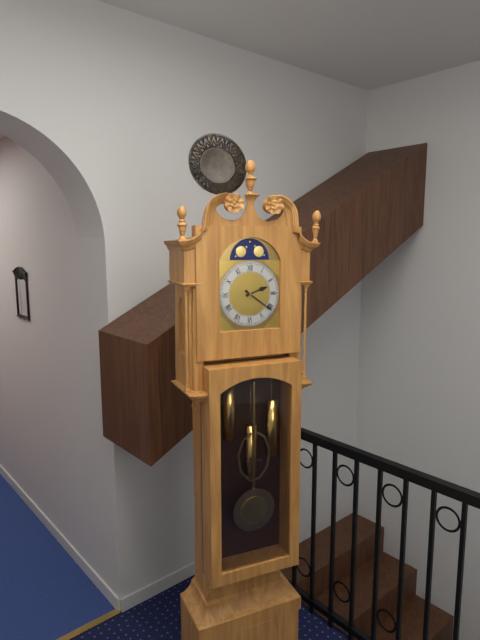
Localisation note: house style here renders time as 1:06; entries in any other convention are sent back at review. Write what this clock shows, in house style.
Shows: 2:21
